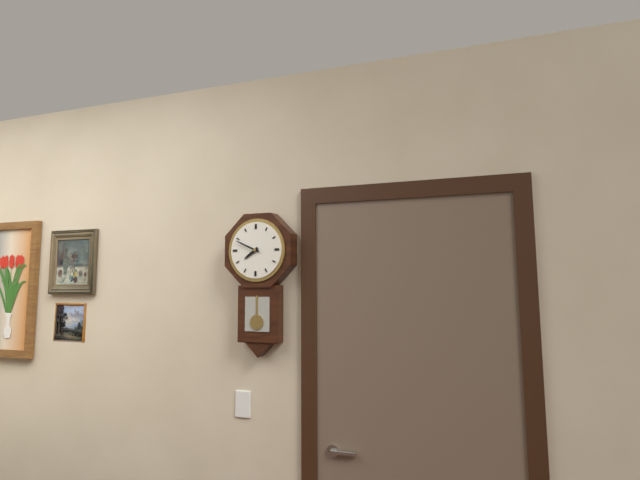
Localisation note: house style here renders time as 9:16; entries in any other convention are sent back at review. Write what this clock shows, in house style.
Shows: 7:49
